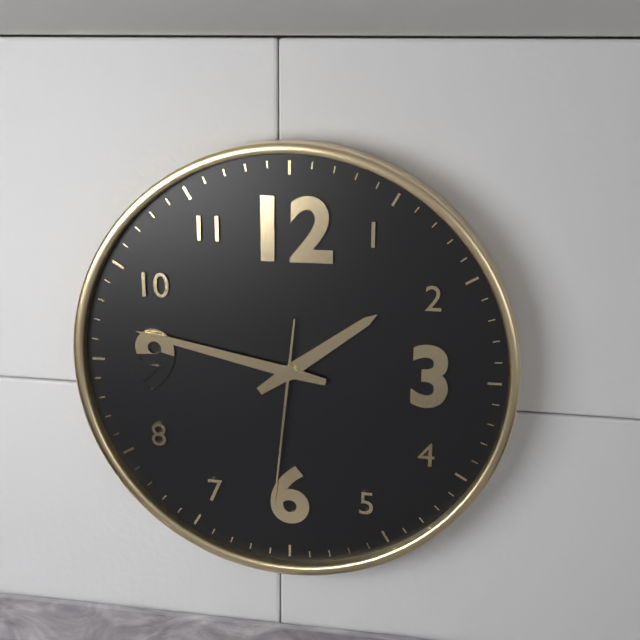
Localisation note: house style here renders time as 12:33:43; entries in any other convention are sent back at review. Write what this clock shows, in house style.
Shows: 1:47:31
